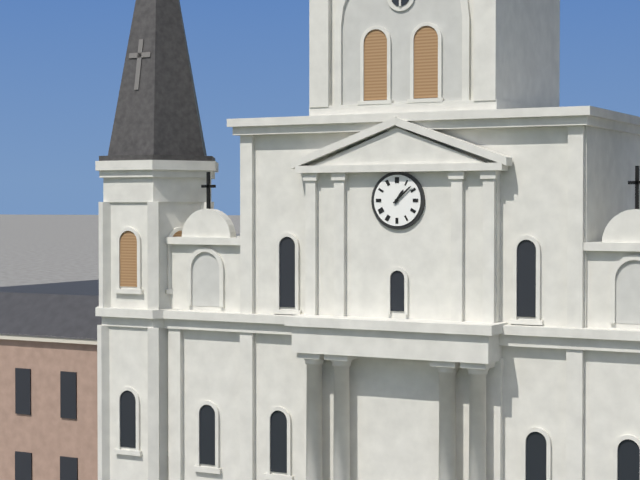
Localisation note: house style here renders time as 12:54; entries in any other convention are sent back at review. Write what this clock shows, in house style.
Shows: 1:08
